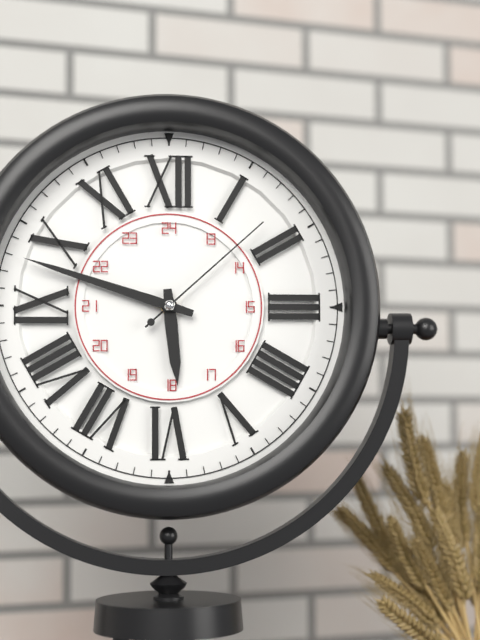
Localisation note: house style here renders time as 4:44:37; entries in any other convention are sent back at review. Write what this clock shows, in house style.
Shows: 5:48:08
